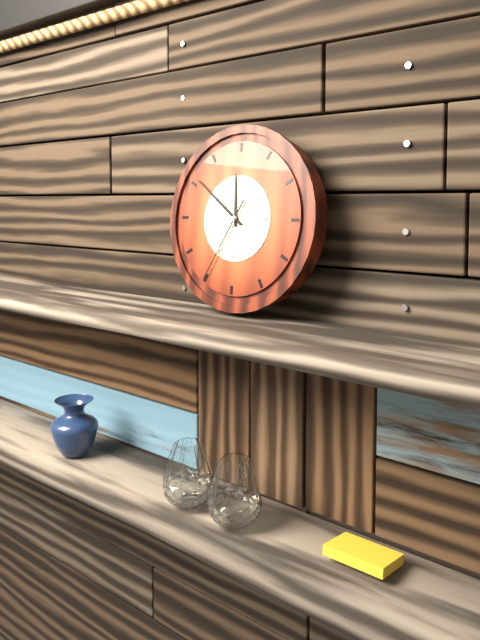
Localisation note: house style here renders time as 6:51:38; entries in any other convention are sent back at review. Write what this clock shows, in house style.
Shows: 11:51:35
